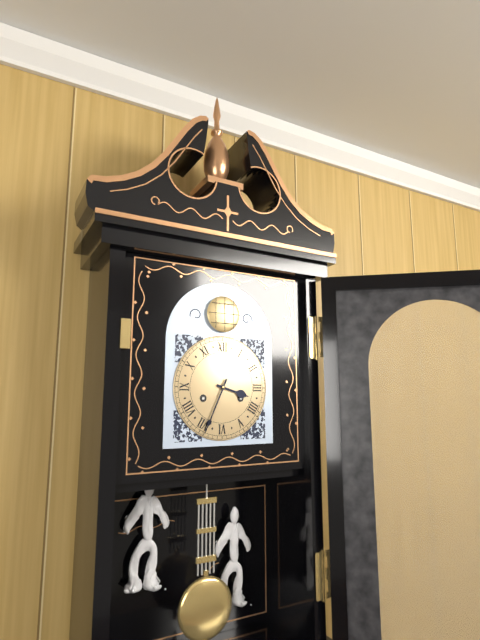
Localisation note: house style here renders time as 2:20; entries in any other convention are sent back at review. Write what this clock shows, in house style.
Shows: 3:34
